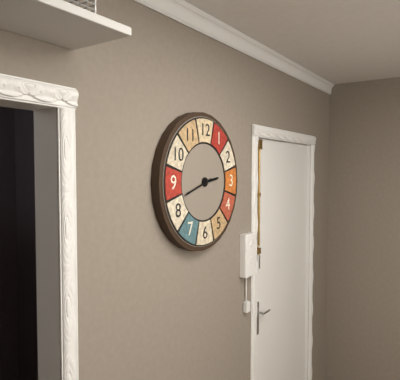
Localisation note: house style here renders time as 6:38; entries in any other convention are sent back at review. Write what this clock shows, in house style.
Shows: 2:42
